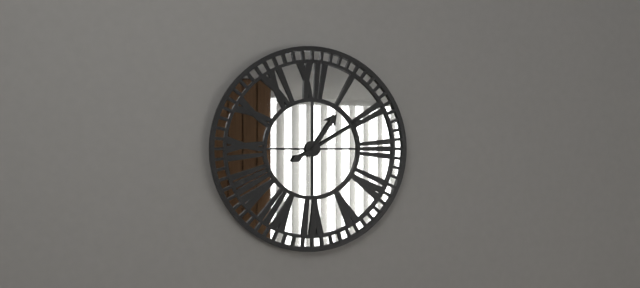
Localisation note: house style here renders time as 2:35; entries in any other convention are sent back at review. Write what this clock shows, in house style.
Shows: 1:10
